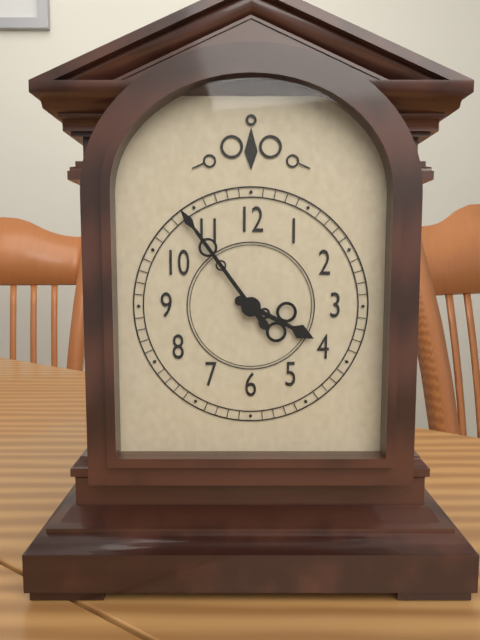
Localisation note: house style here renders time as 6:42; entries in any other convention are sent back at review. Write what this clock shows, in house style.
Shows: 3:54
